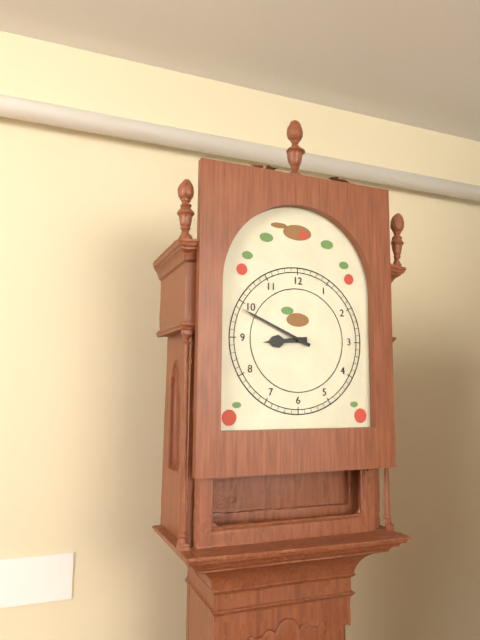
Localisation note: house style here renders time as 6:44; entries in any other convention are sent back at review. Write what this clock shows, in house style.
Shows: 8:49
